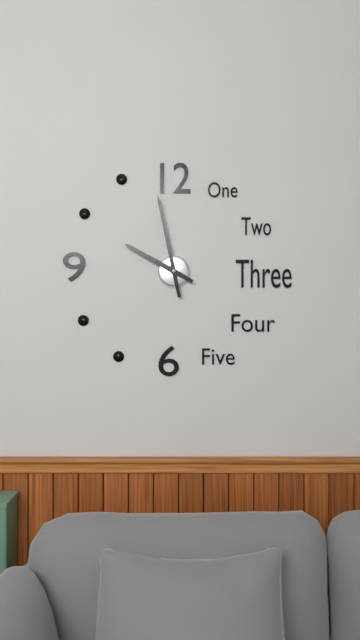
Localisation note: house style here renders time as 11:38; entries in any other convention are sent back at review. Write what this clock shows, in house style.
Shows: 9:58
